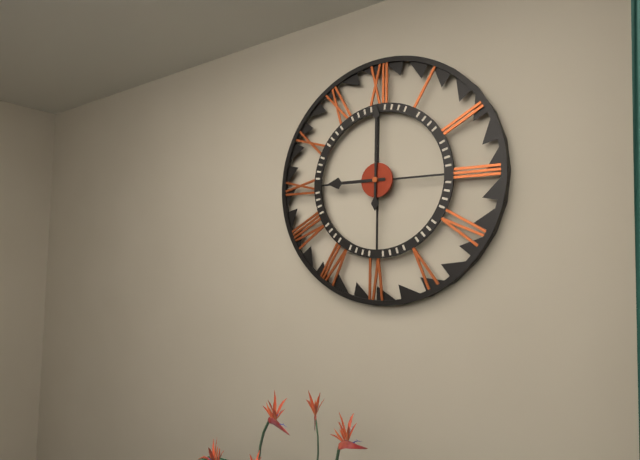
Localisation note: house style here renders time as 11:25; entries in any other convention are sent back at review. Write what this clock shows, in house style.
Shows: 9:00
